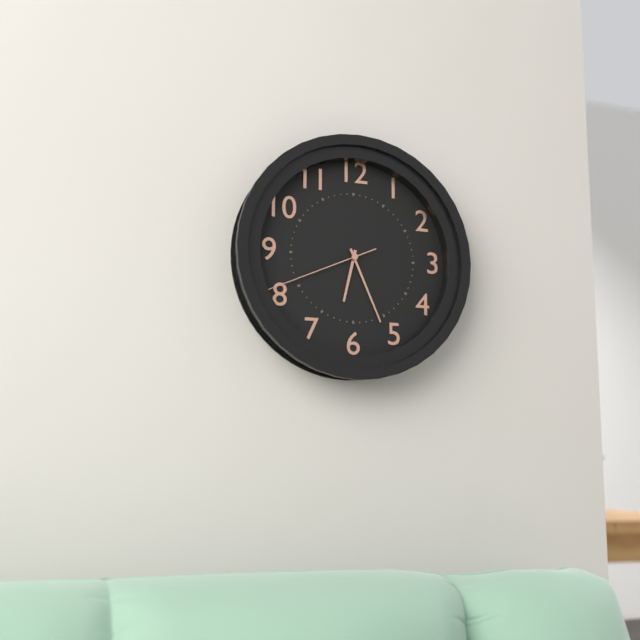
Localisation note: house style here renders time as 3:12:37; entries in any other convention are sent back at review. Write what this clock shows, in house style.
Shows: 6:26:41
